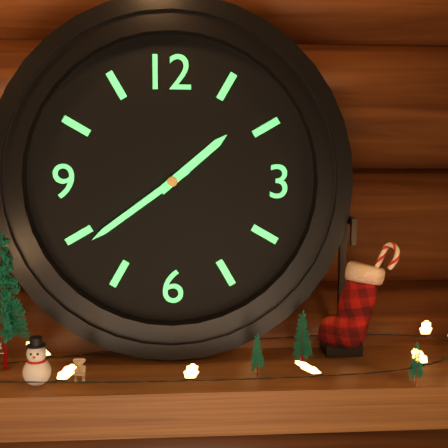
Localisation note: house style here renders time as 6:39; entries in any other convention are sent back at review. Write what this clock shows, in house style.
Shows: 1:39
